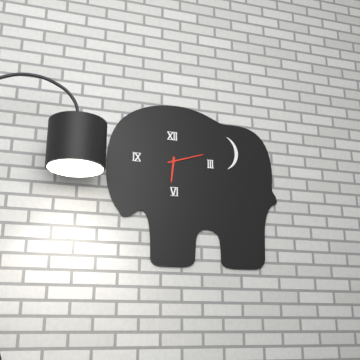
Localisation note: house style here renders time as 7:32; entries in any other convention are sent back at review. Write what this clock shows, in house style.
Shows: 6:12
